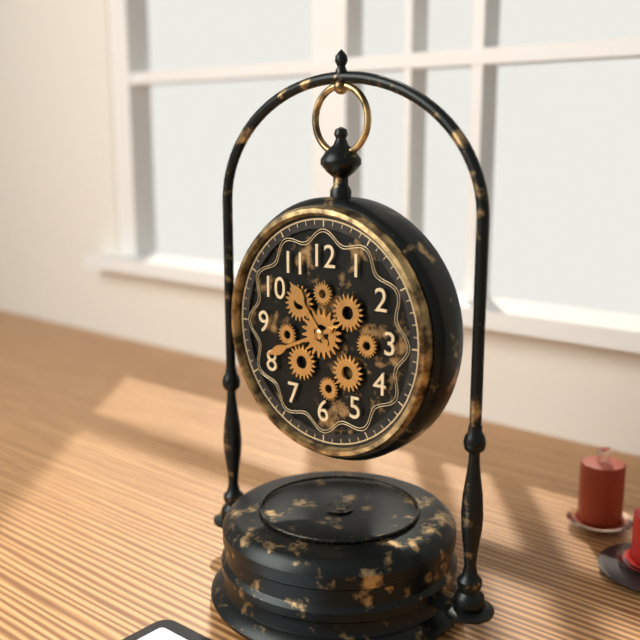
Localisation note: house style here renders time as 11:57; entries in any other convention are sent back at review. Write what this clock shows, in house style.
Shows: 10:41
